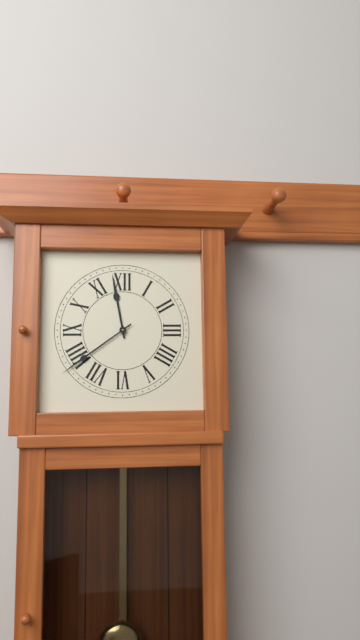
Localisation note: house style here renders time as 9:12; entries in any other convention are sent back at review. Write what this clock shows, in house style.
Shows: 11:39
